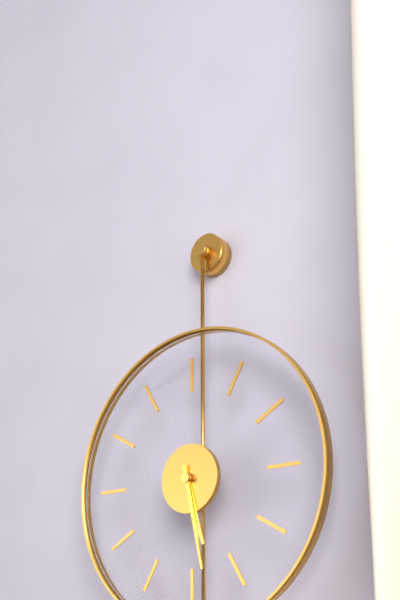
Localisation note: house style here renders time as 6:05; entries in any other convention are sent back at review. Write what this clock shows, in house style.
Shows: 5:28
